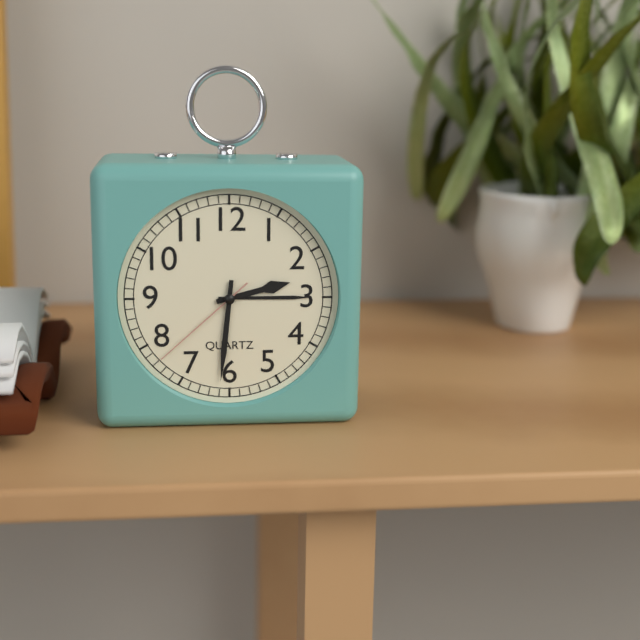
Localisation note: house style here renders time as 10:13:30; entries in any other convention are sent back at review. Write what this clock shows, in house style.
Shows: 2:31:38
